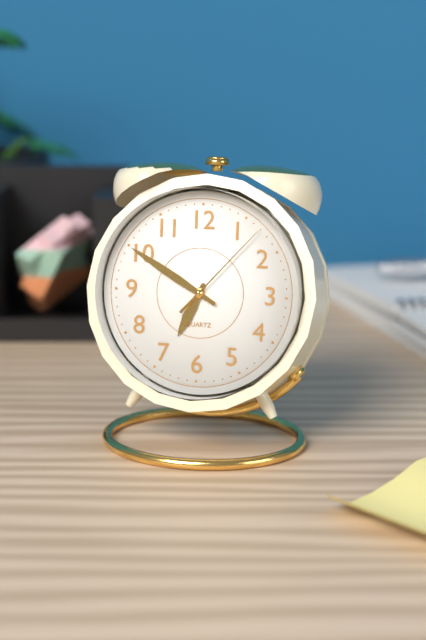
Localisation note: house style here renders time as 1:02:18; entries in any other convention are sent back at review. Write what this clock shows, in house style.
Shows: 6:50:07
